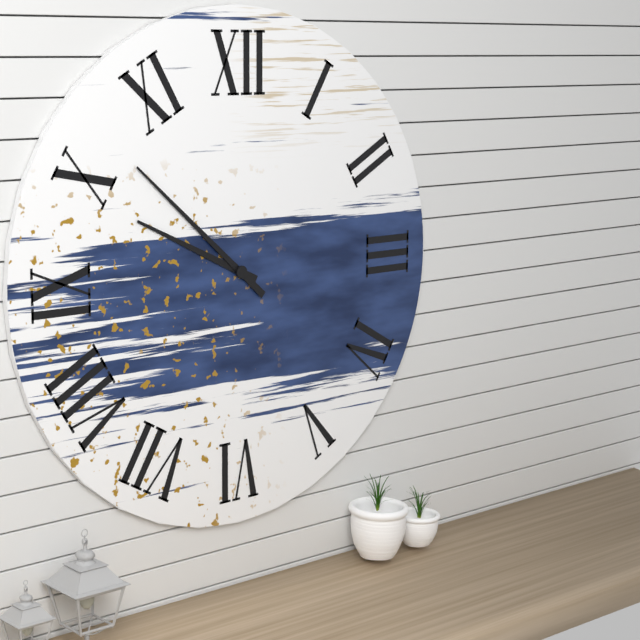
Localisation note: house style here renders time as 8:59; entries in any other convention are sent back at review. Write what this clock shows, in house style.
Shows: 9:52
